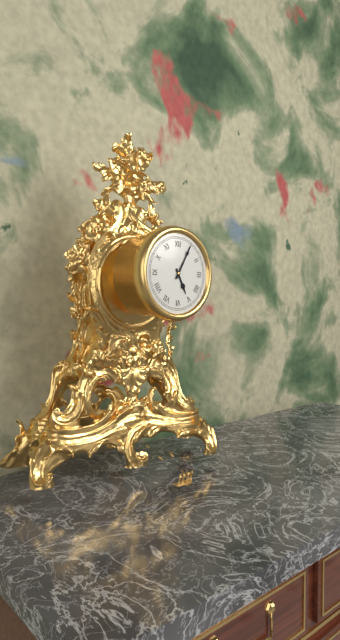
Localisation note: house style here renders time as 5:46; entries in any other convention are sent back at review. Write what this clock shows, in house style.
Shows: 5:05
